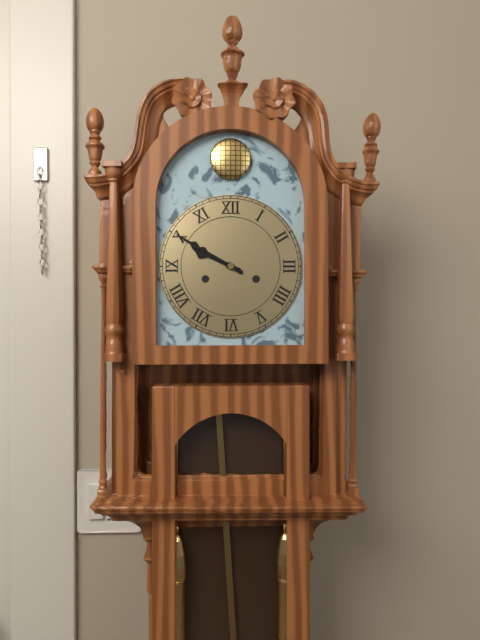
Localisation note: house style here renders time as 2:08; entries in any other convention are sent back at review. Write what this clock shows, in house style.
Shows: 9:50
